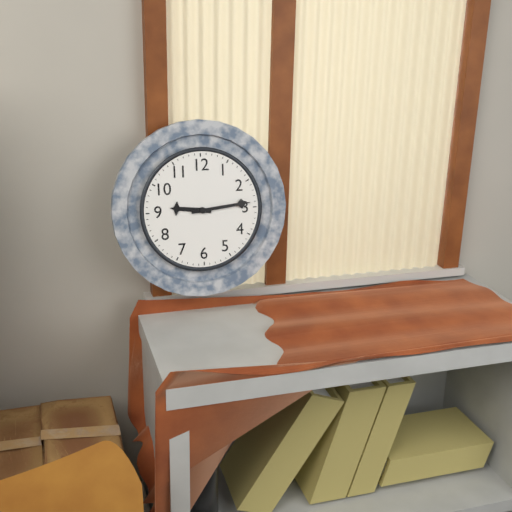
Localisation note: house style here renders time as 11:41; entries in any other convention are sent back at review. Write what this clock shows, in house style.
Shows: 9:14
